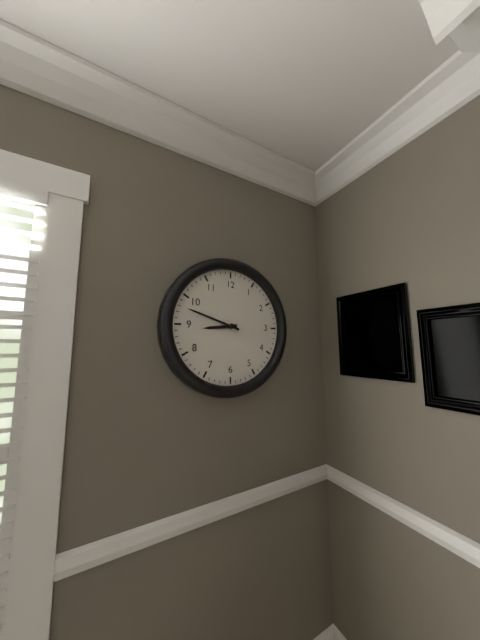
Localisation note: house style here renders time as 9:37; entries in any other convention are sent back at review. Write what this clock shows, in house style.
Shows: 8:48
